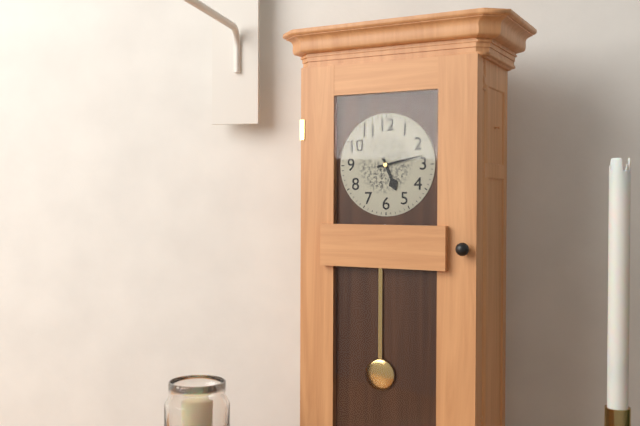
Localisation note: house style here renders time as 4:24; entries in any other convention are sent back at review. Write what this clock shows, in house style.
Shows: 5:13
